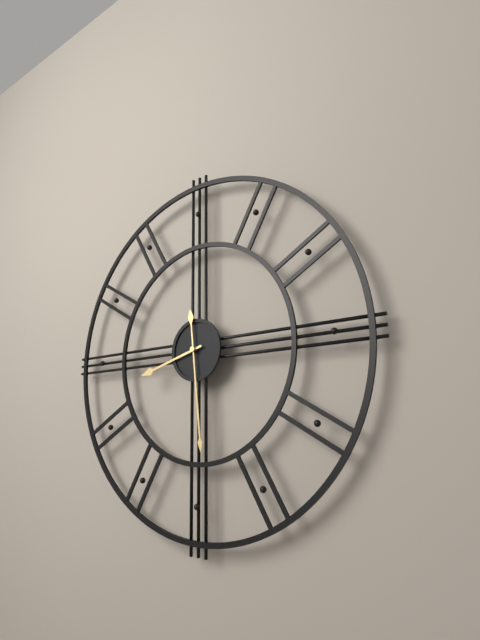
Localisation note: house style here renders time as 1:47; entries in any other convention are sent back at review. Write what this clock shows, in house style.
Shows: 8:29
